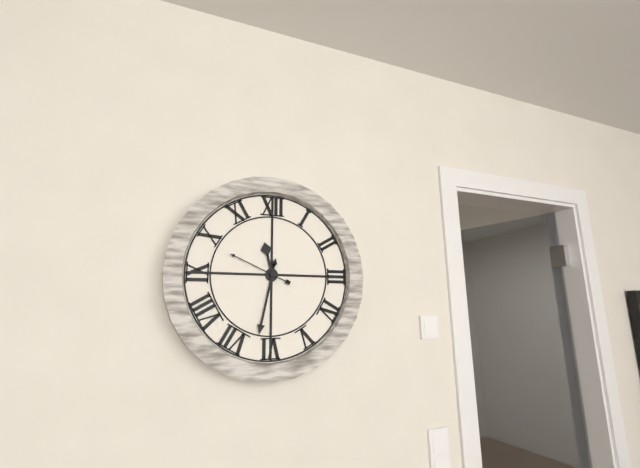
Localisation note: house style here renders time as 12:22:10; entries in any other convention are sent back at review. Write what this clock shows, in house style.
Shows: 11:32:49
